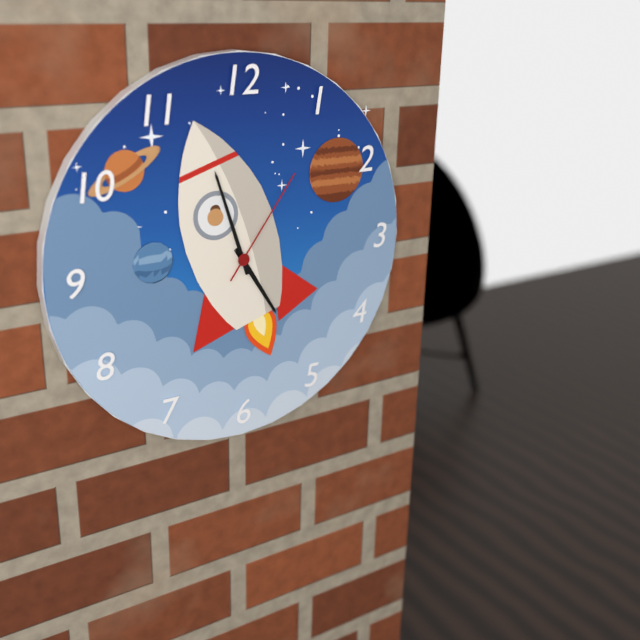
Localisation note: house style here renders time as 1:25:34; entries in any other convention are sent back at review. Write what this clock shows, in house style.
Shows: 4:57:06
